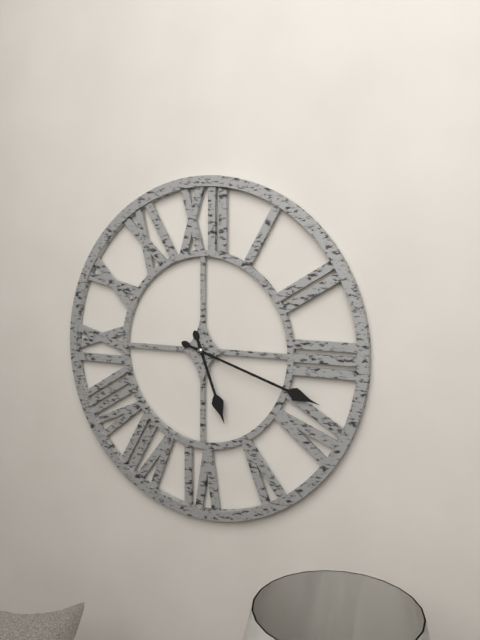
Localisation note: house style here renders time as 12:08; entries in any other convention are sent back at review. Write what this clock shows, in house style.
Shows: 5:18
